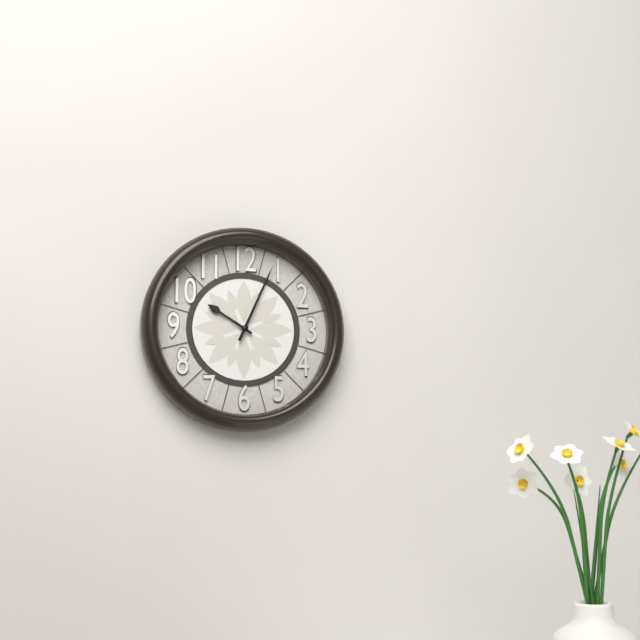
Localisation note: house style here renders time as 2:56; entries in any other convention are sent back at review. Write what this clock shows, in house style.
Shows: 10:04
